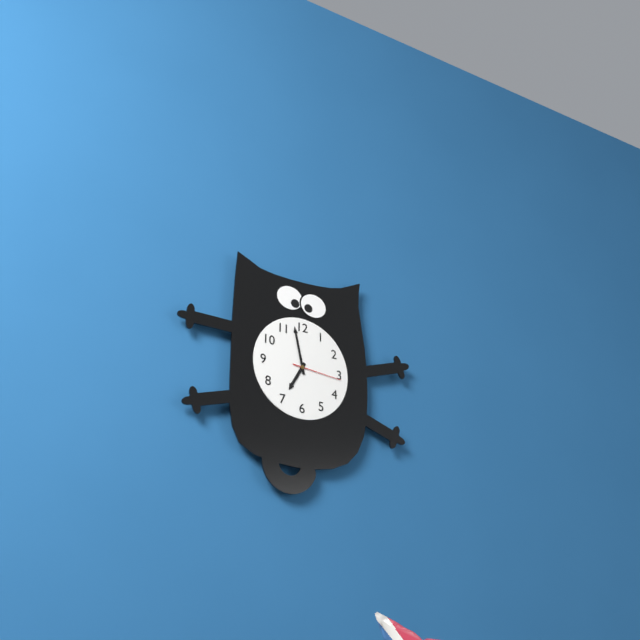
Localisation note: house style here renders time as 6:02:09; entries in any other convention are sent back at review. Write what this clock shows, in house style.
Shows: 6:58:16
